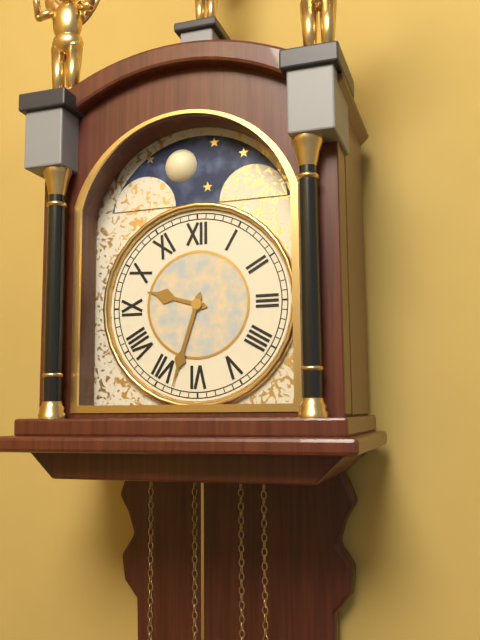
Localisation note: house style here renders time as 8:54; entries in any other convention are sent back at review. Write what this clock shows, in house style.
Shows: 9:33
